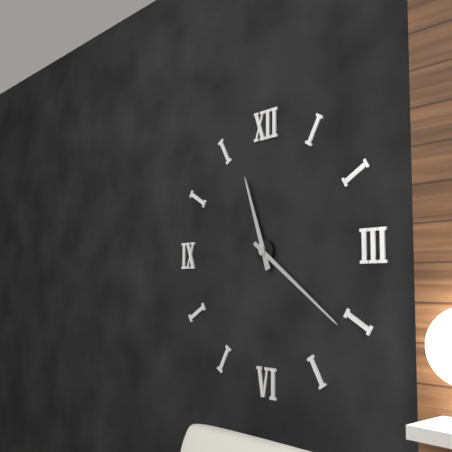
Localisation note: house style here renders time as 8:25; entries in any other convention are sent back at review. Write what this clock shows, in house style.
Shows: 11:21
